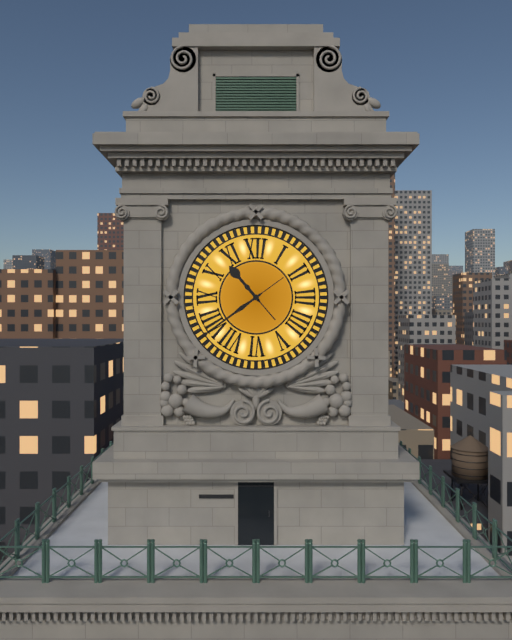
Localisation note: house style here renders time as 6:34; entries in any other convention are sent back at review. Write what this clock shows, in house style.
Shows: 10:39
